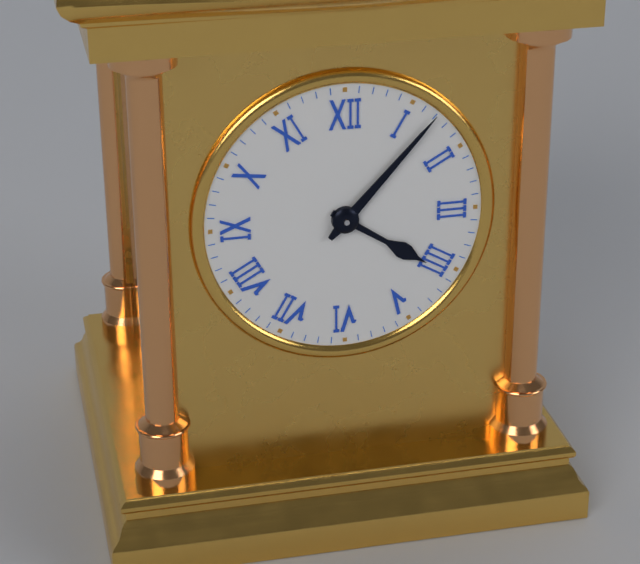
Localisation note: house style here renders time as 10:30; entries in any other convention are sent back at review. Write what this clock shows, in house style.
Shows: 4:07
